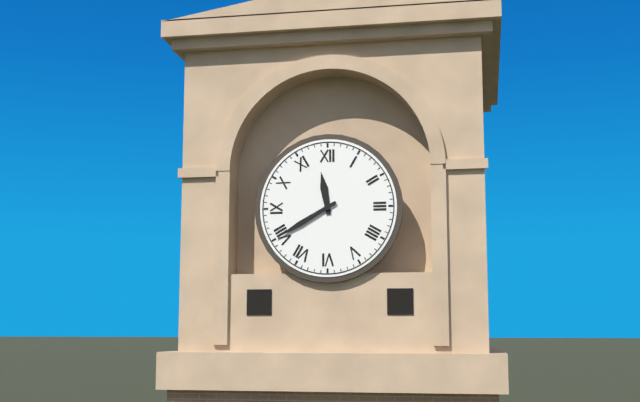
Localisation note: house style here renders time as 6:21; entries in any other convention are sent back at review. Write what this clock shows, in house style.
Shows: 11:40
